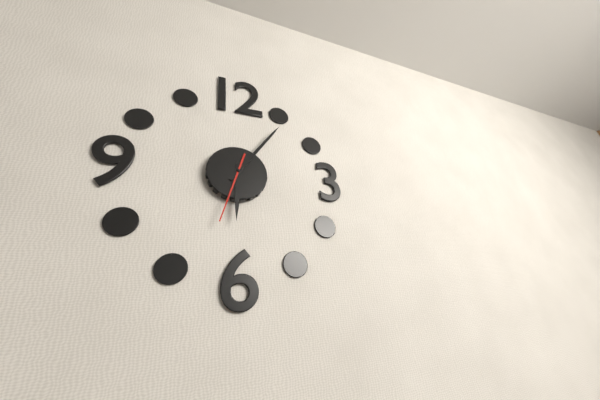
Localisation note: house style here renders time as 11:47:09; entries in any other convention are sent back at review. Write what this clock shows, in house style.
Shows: 6:06:33
